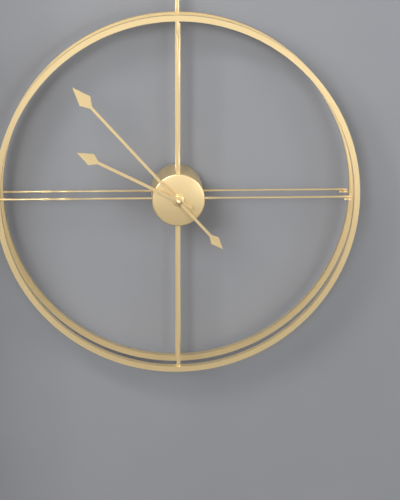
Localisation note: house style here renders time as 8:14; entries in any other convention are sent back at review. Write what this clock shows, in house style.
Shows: 9:53
